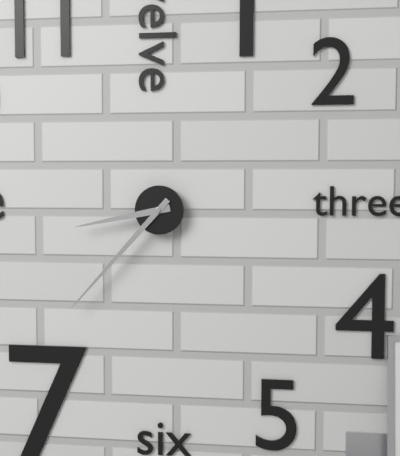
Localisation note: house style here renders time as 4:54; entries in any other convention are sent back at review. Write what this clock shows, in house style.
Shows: 8:37
